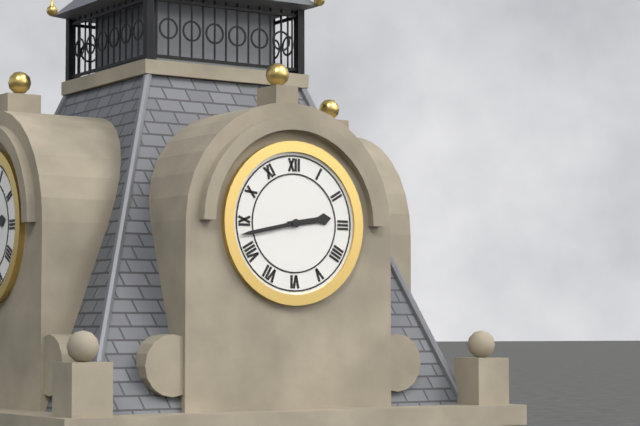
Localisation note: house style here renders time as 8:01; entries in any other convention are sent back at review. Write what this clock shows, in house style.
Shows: 2:43
